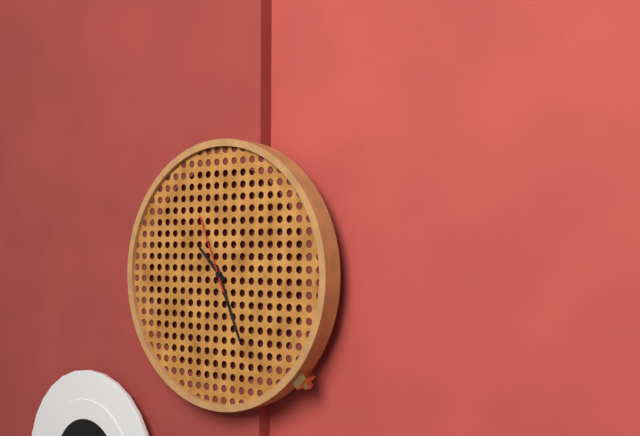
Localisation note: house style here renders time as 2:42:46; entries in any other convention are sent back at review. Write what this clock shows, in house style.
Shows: 10:26:56
